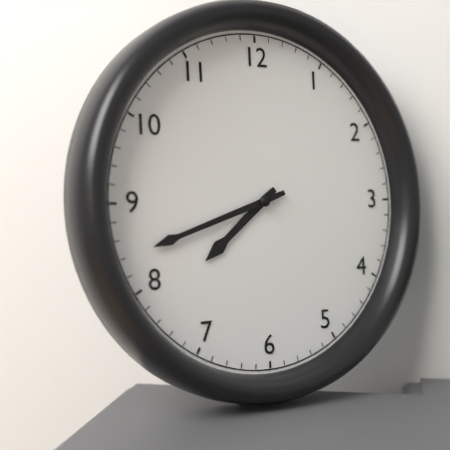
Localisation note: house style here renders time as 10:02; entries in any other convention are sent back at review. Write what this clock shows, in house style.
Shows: 7:42
